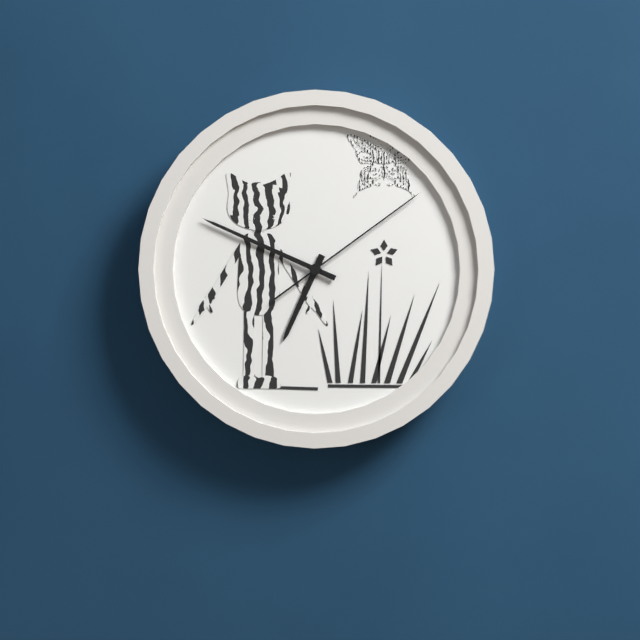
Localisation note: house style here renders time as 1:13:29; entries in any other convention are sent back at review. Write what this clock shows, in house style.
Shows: 6:49:09
